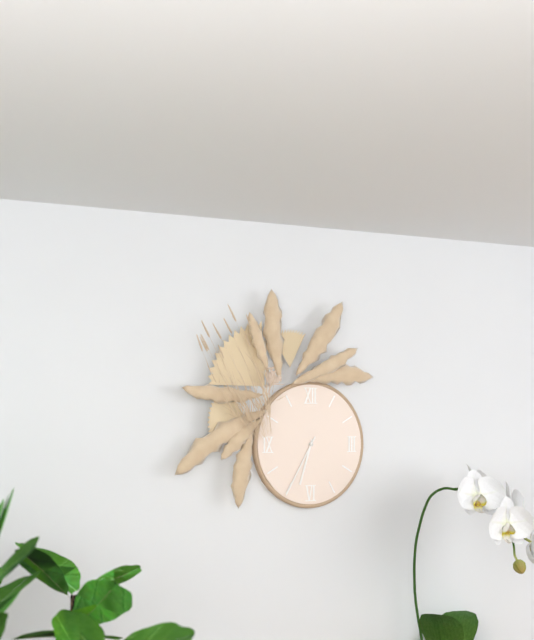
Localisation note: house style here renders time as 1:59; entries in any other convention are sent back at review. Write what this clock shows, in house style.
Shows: 6:35
